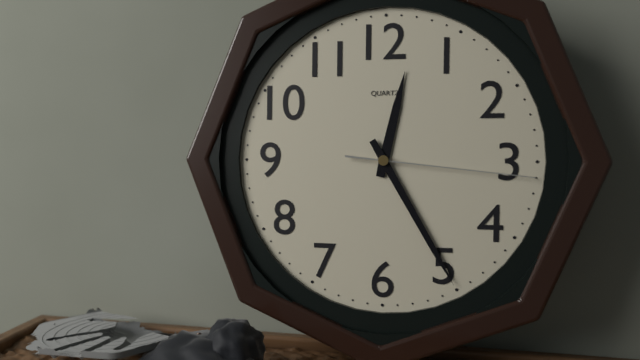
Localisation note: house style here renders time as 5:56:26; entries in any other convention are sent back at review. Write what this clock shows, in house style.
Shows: 12:25:16
